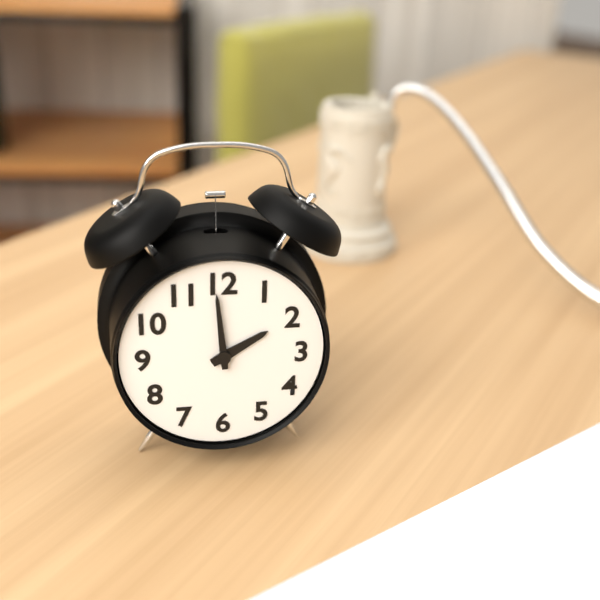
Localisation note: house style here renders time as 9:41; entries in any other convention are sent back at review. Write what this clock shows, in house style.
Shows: 1:59
